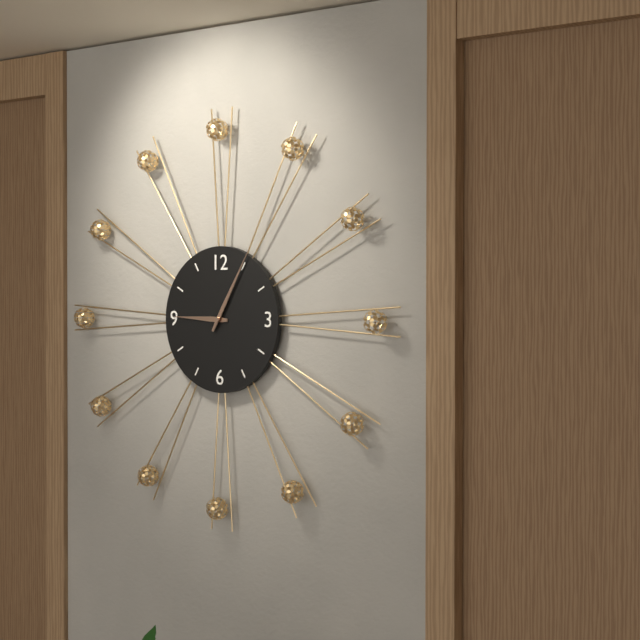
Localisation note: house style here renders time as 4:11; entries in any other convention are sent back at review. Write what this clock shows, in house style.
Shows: 9:05
